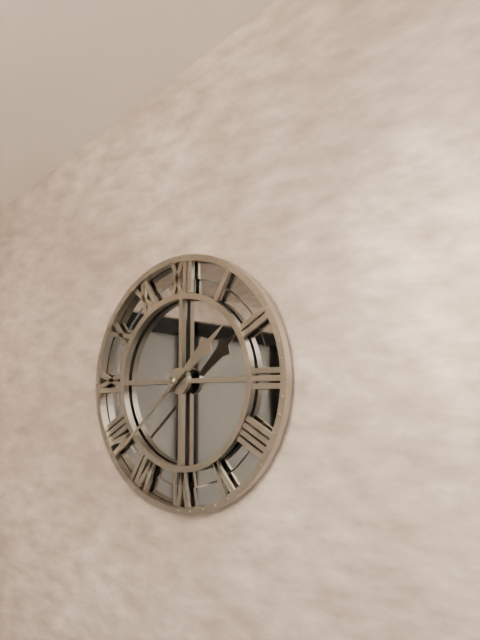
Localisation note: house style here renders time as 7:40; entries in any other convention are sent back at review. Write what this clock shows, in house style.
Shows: 1:38
